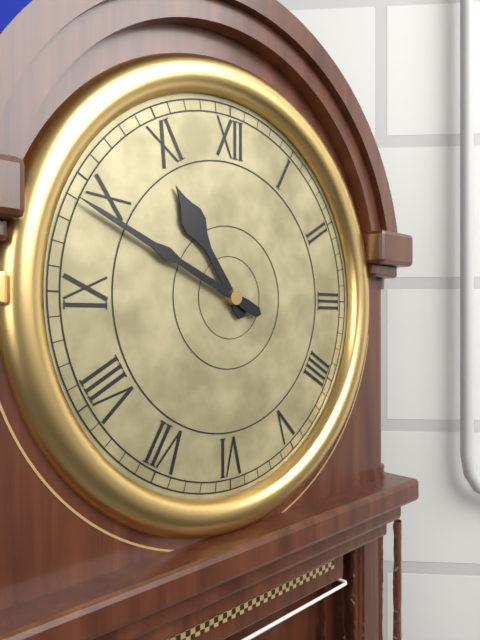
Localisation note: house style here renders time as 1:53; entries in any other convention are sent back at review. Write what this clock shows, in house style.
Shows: 10:49
